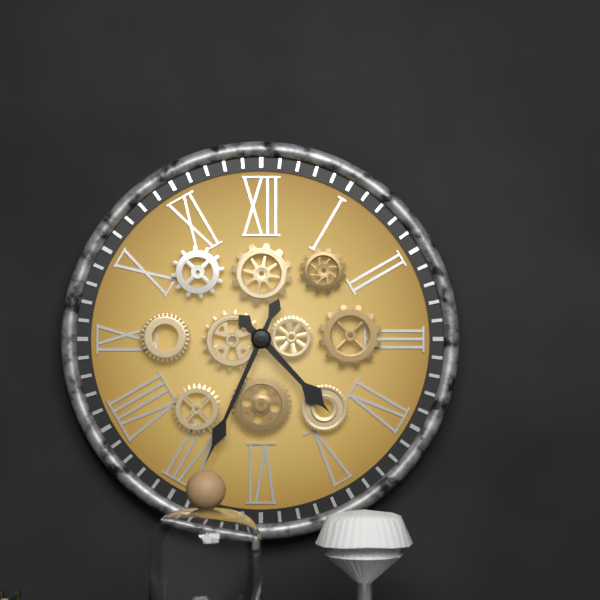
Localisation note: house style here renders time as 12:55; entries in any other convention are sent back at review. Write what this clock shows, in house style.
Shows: 4:34
